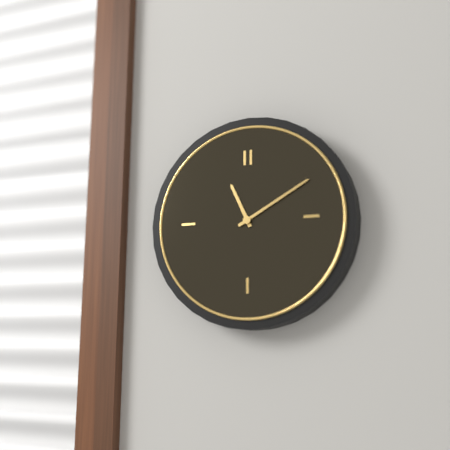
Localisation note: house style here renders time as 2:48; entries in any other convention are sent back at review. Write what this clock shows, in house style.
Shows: 11:10
